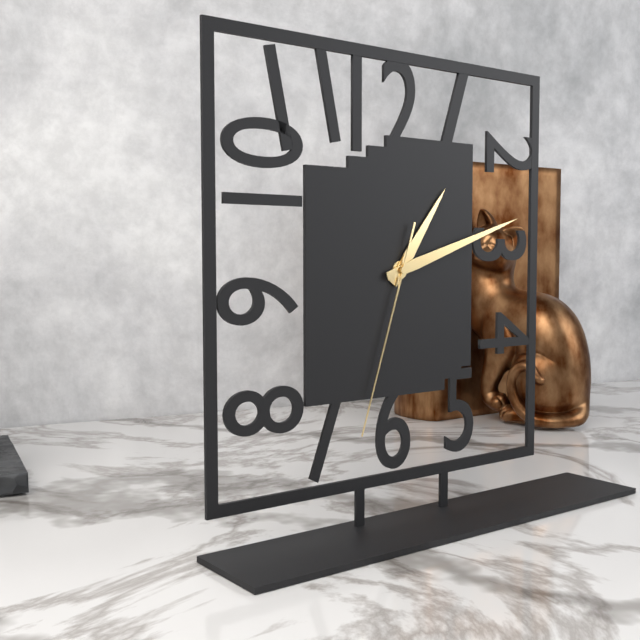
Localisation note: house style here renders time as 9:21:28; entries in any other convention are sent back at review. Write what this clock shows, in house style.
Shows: 1:12:33
